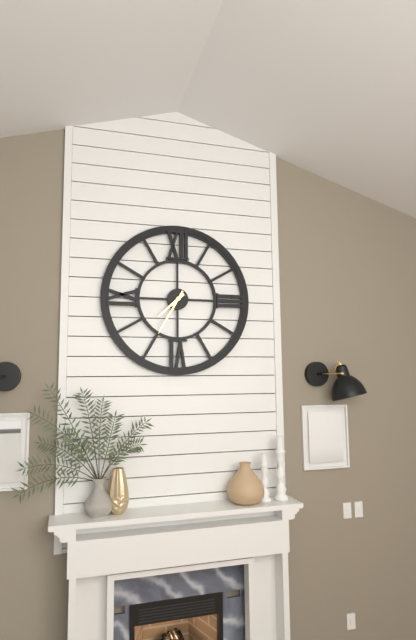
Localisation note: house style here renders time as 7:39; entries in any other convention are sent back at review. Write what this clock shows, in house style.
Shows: 7:35
